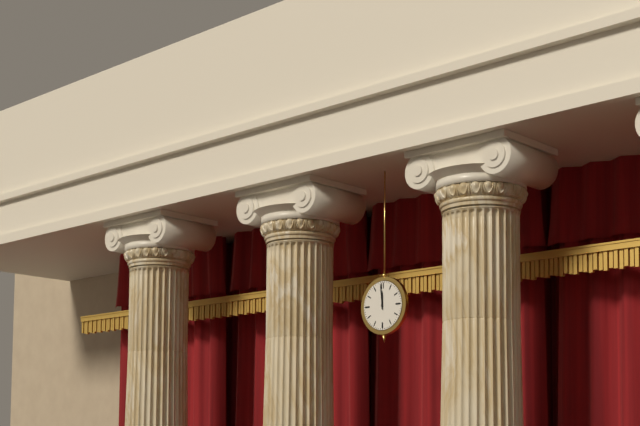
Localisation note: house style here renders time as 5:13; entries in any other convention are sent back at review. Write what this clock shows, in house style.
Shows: 11:59
